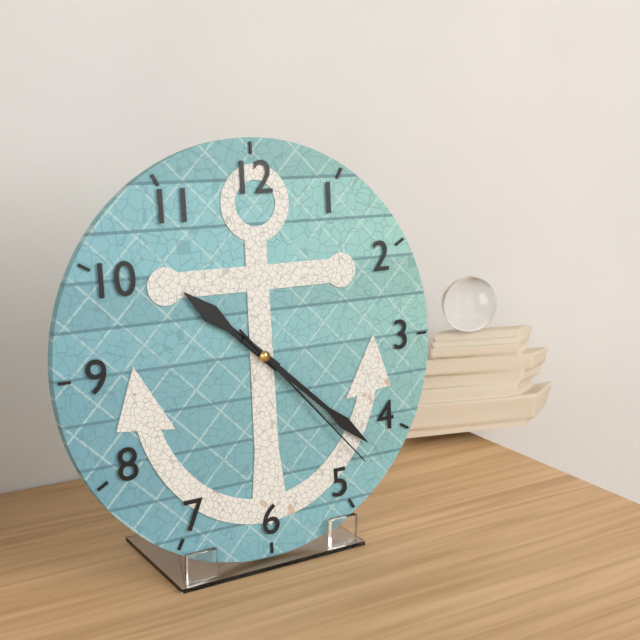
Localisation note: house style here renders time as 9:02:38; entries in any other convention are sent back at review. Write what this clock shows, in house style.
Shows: 10:22:23
